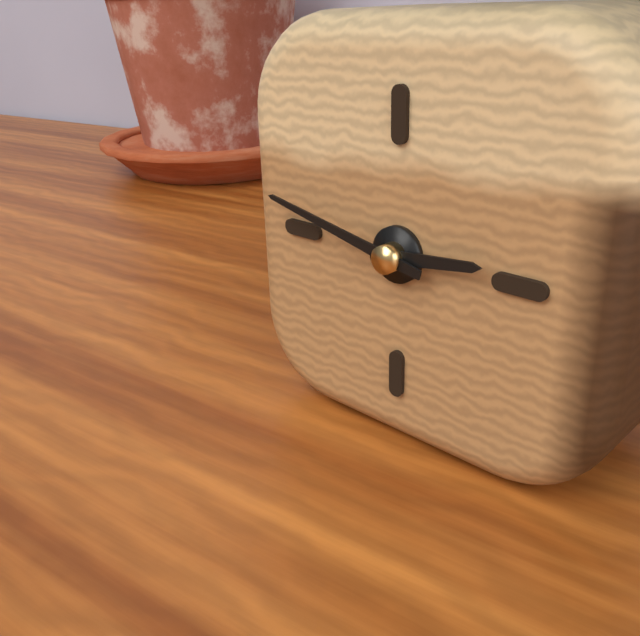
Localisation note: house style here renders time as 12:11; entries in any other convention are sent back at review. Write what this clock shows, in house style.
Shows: 2:47
